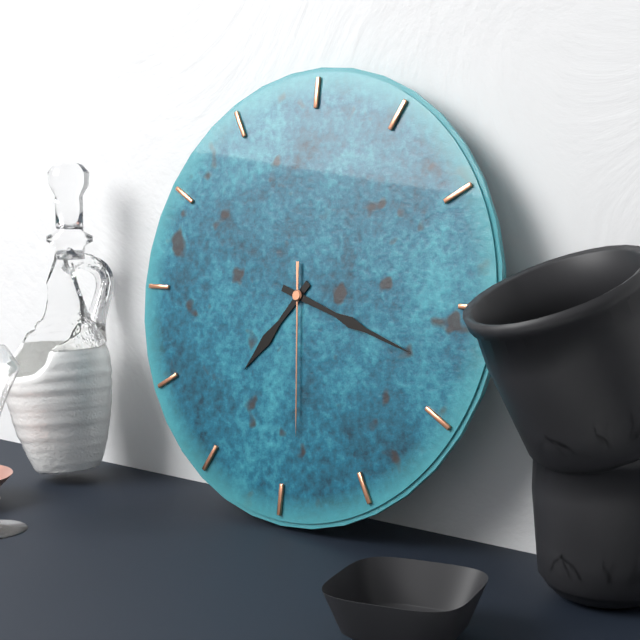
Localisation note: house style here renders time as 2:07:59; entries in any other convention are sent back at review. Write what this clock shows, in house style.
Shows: 7:18:29
